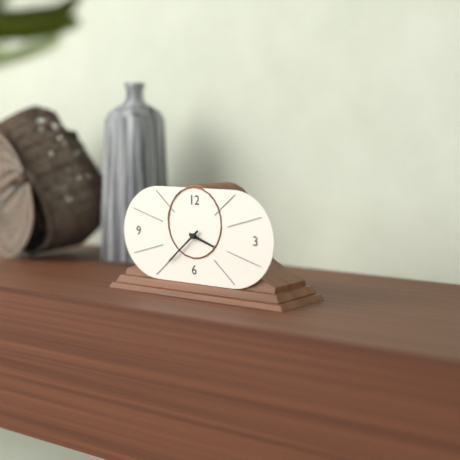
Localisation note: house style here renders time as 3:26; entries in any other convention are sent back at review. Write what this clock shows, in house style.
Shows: 3:38
